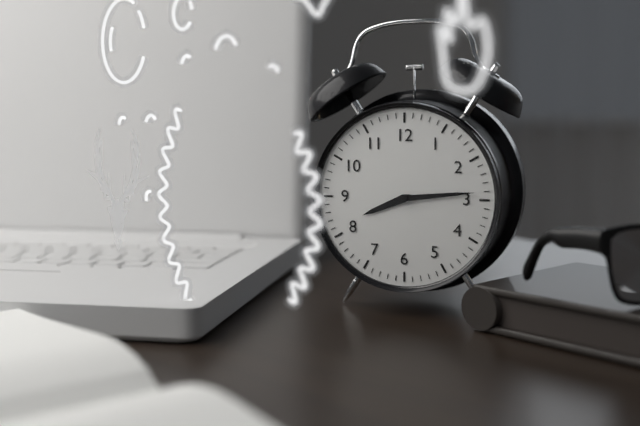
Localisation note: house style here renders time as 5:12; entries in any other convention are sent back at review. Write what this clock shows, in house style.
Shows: 8:14
